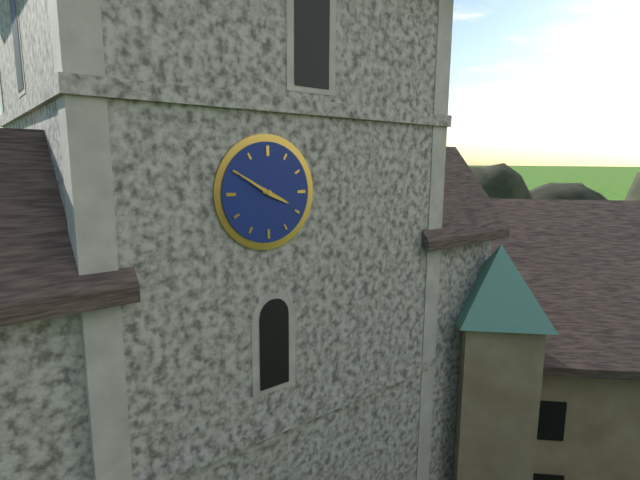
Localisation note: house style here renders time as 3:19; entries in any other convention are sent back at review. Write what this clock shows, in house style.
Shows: 3:50
